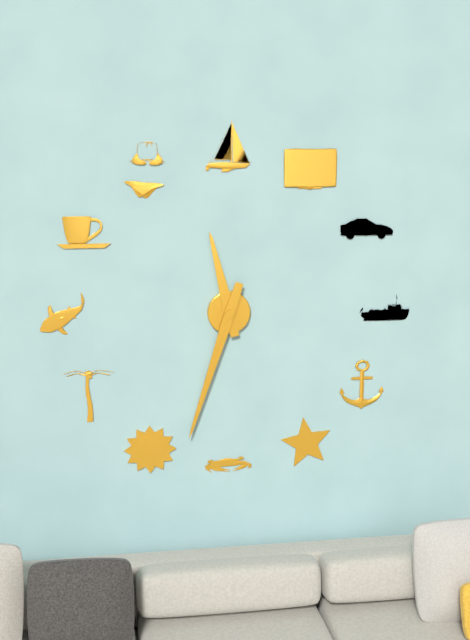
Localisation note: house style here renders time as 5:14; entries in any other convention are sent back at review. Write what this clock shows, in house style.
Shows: 11:33
